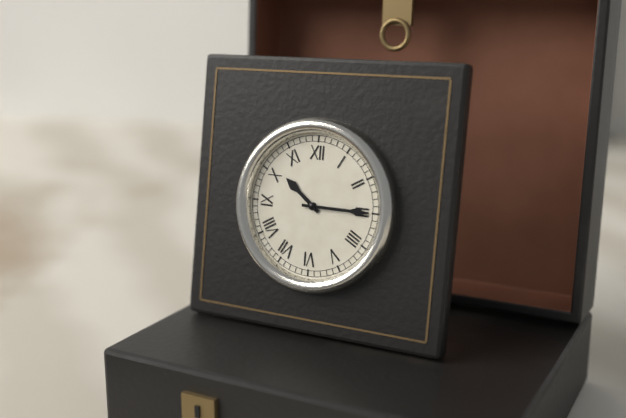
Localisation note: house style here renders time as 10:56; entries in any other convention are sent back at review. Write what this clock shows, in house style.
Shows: 10:15
